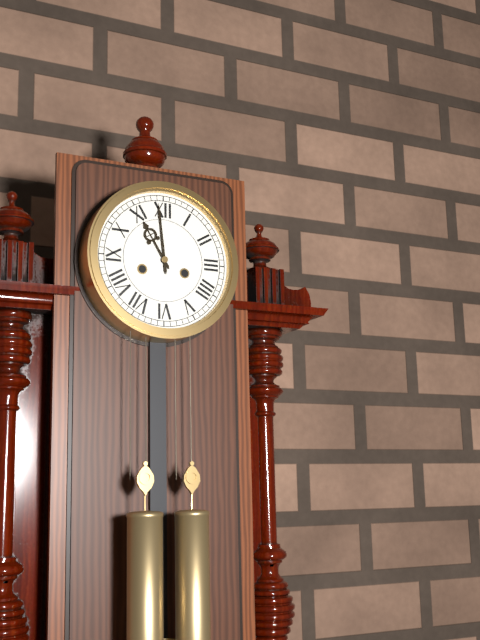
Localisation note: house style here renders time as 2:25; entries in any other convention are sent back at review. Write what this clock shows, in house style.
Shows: 10:59
